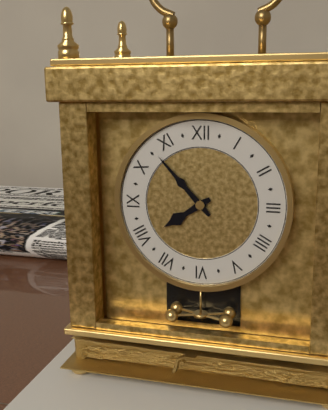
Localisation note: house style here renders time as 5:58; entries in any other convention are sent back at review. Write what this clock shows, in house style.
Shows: 7:53
